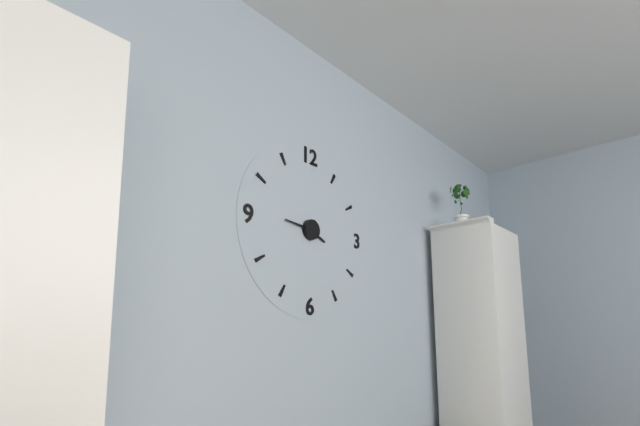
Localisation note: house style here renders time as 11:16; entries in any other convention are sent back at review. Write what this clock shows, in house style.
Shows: 3:46
